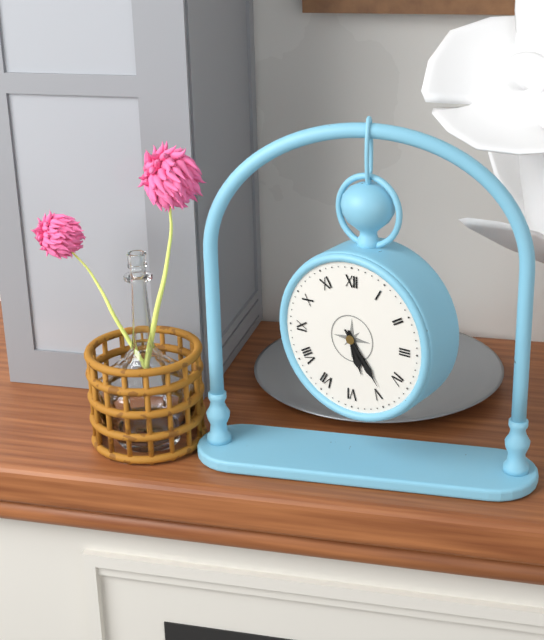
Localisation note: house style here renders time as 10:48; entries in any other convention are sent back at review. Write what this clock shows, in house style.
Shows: 5:24
